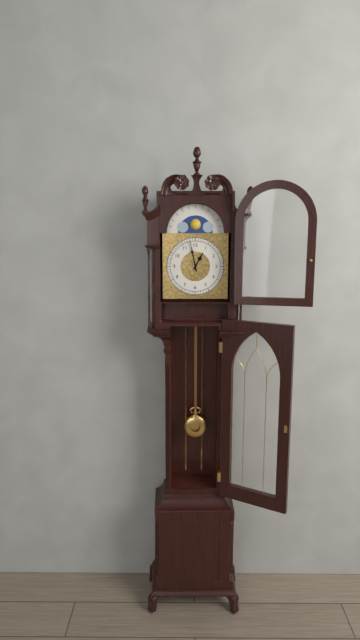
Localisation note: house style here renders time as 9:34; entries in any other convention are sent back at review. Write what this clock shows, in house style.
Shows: 12:58
